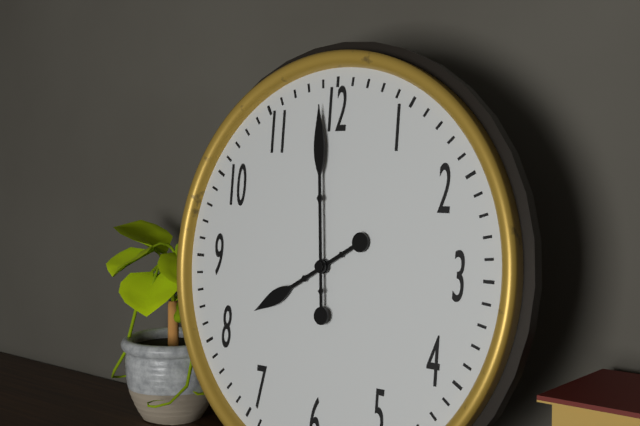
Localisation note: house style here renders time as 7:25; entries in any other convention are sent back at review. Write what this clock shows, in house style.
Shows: 7:59
